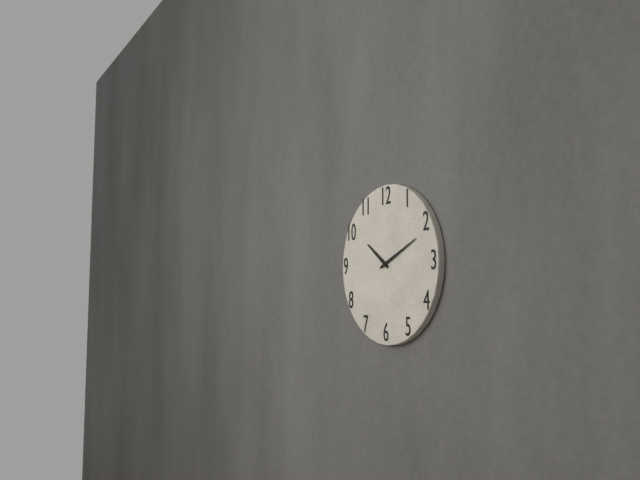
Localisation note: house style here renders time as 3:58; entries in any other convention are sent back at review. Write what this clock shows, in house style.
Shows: 10:11
